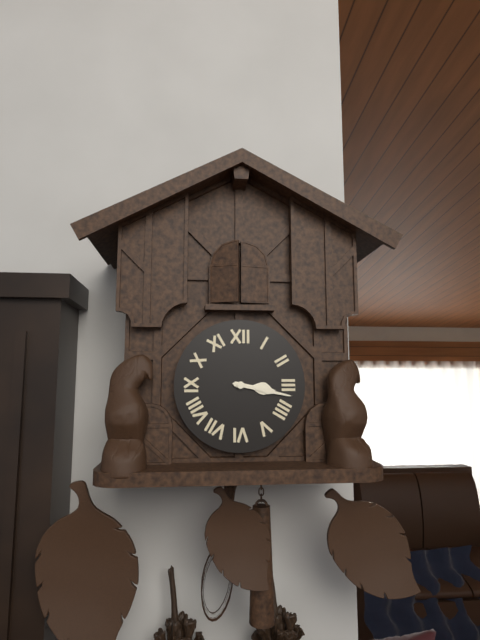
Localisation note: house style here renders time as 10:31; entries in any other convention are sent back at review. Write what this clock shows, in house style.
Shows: 3:17
